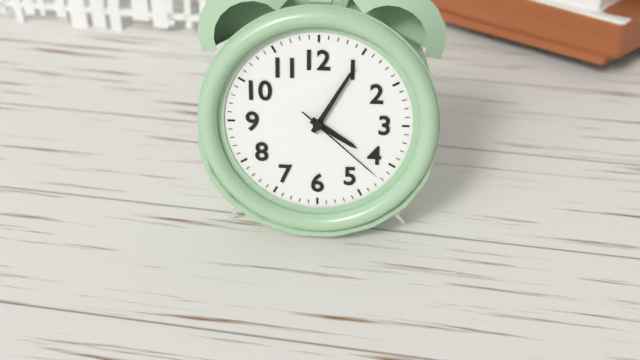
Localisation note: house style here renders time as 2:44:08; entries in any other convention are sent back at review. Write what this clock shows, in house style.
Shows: 4:05:22
